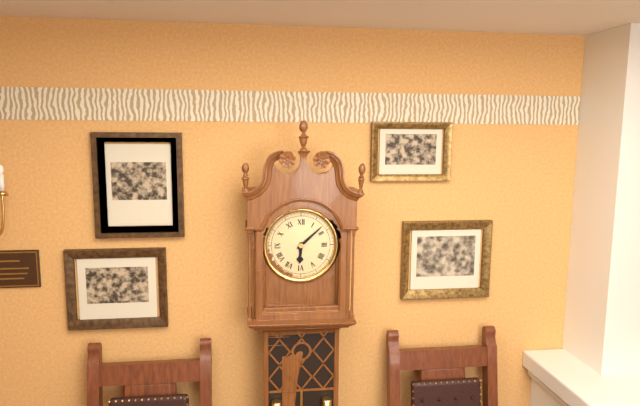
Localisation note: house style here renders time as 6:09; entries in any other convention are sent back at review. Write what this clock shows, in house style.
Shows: 6:08
